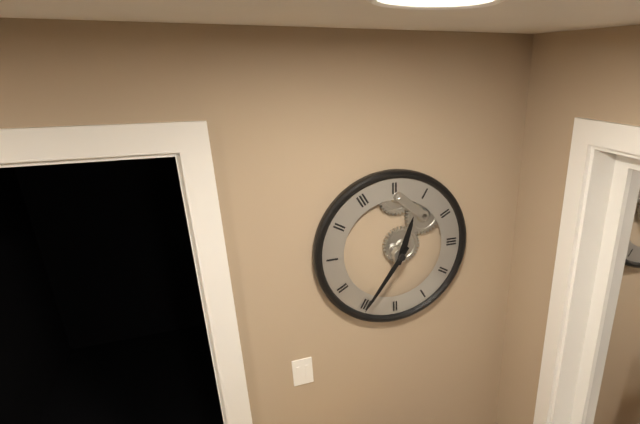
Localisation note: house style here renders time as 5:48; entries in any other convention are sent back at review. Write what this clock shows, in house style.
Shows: 12:36
